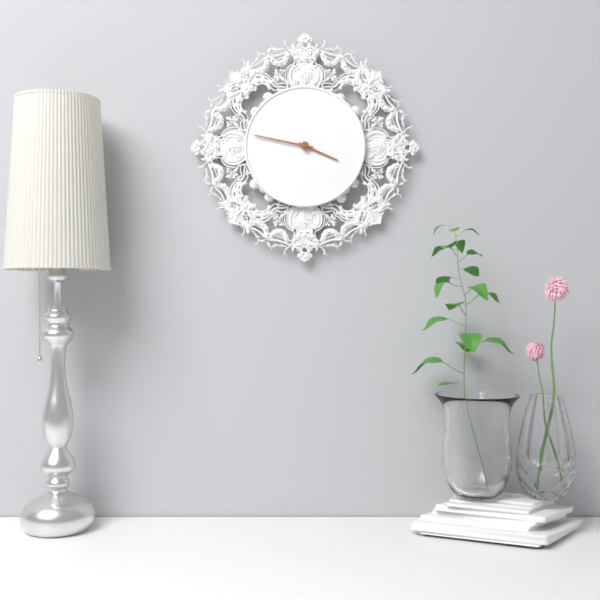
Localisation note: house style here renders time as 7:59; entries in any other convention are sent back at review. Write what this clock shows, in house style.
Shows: 3:47
